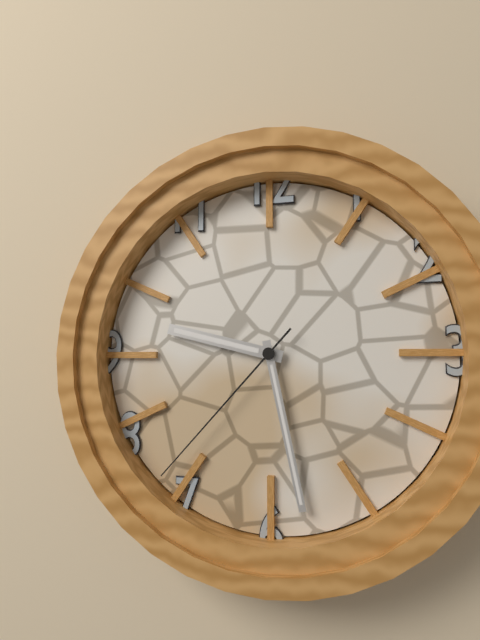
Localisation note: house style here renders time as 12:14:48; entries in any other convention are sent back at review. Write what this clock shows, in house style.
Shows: 9:28:37
